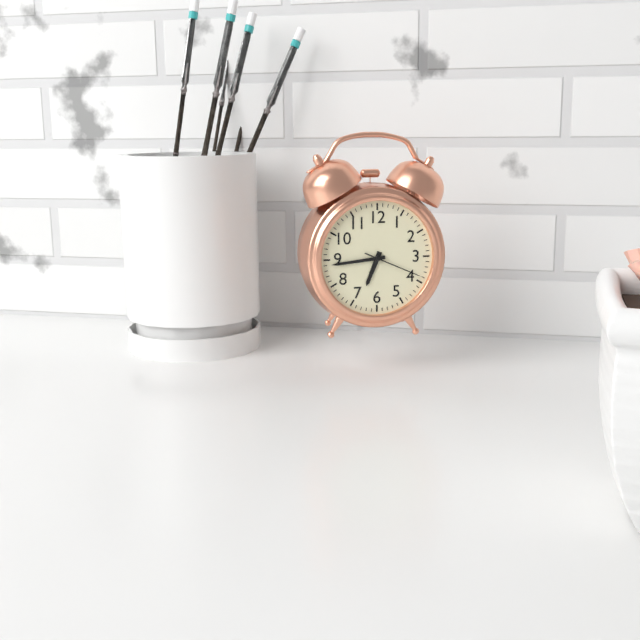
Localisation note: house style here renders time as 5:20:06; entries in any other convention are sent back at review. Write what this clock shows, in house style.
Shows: 6:44:19
